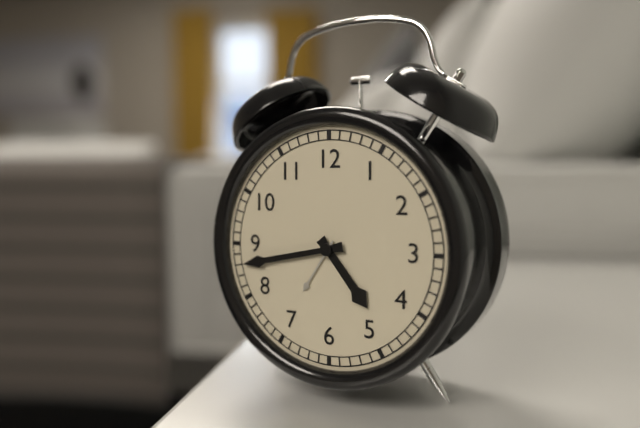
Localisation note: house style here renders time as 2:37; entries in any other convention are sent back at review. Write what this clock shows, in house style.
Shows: 4:43
